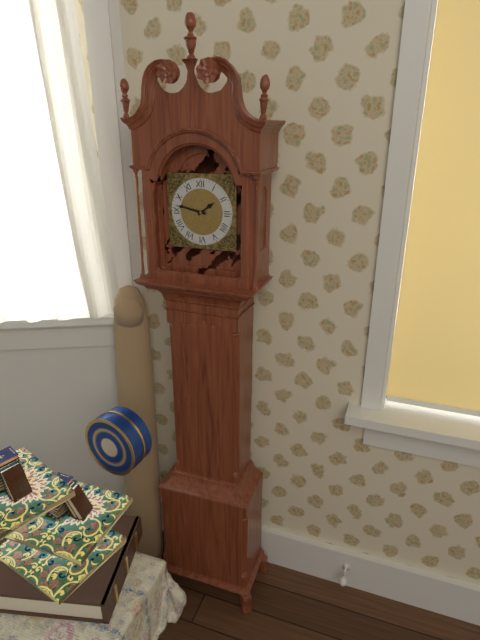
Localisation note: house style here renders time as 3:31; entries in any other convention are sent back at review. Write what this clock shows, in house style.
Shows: 1:47
